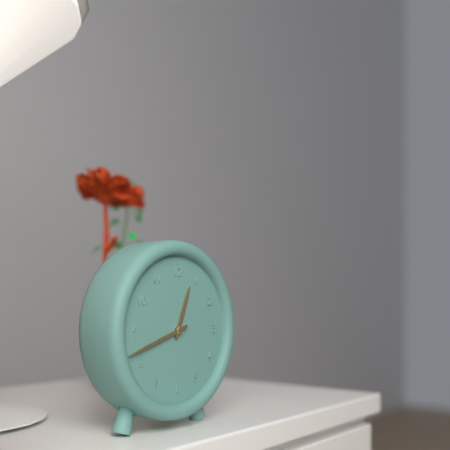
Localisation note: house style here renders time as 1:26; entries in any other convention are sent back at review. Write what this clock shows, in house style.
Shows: 12:42
